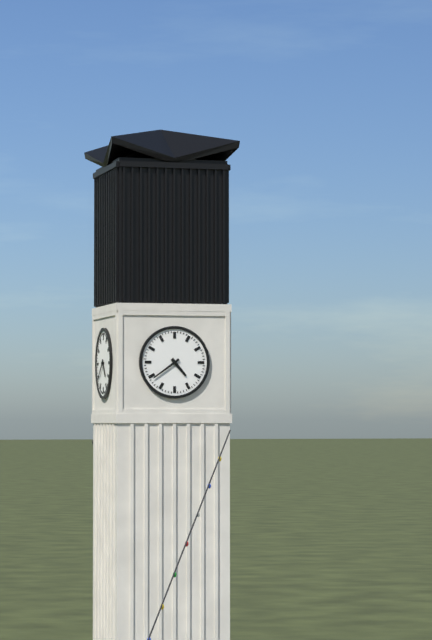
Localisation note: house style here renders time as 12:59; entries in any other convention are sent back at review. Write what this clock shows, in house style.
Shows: 4:39
